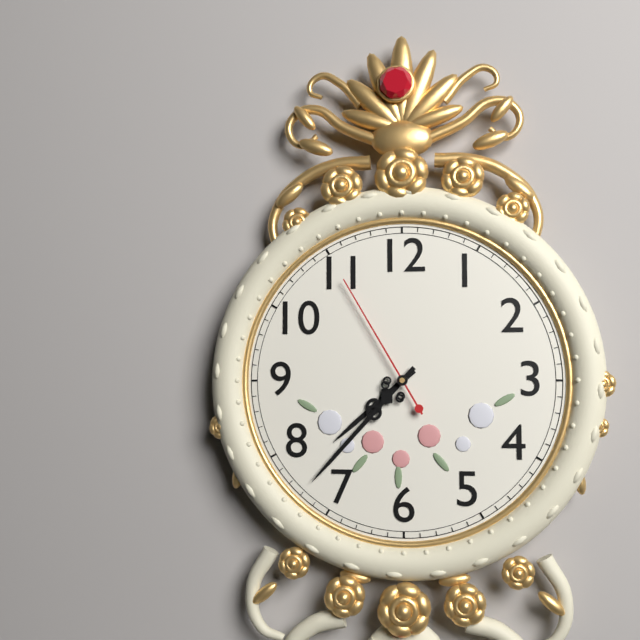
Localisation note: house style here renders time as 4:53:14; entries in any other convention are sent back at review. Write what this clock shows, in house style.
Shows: 7:37:55
